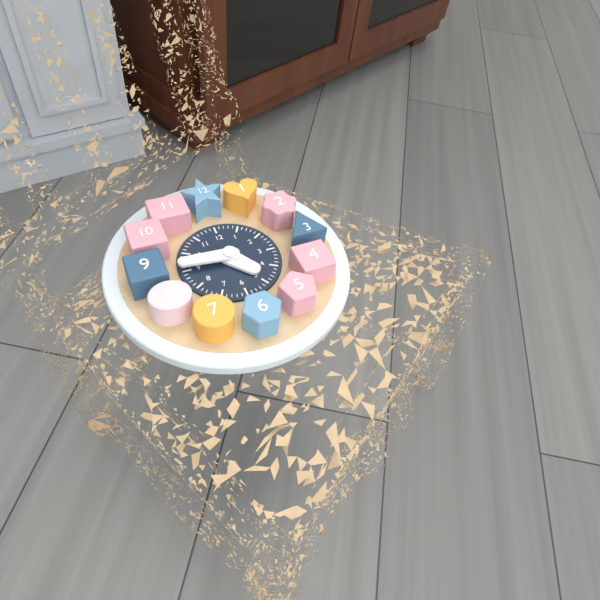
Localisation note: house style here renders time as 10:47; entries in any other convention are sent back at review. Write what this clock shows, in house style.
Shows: 4:46
